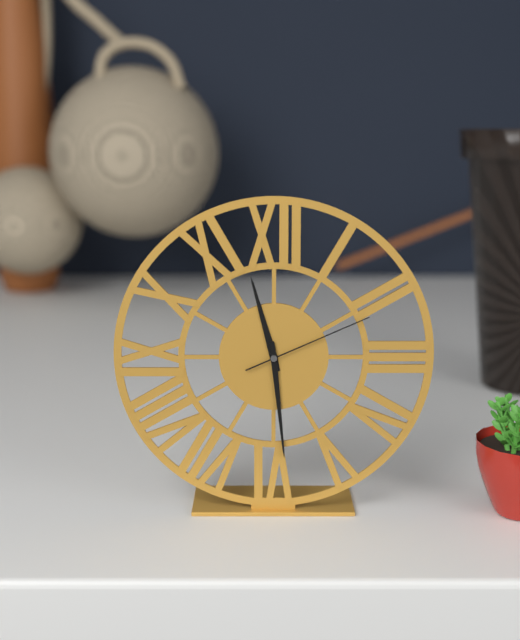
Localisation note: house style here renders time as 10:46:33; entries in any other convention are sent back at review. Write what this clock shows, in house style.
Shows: 11:29:11
